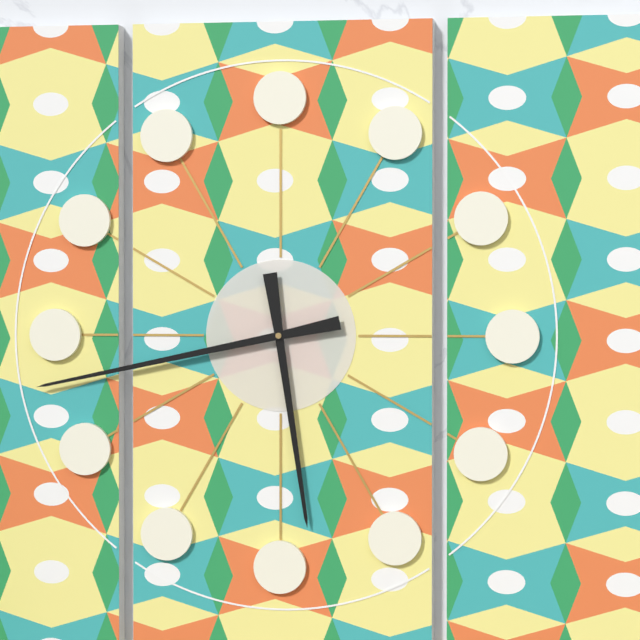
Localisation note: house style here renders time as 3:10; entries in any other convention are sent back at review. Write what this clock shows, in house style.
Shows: 5:43
